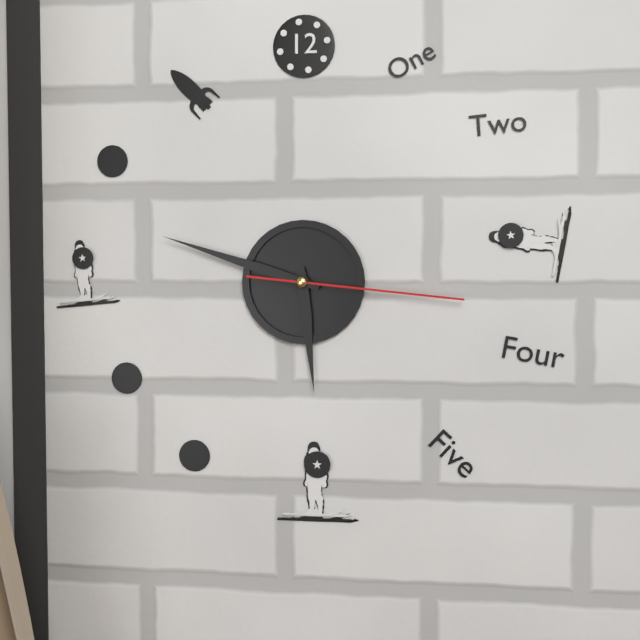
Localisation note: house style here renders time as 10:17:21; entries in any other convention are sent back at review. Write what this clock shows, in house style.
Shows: 5:48:16
